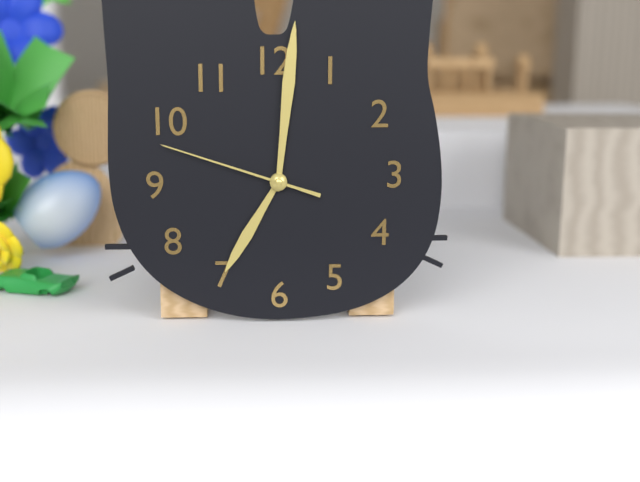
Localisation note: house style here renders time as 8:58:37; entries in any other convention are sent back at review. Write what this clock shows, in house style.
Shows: 7:01:48
